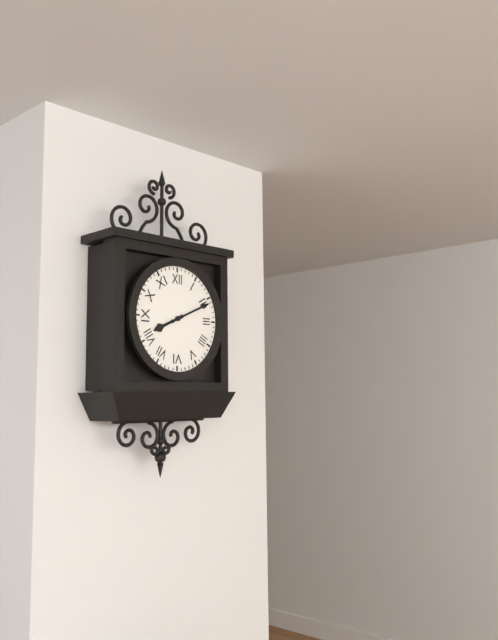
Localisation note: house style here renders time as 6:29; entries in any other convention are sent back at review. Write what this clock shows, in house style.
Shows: 8:11
